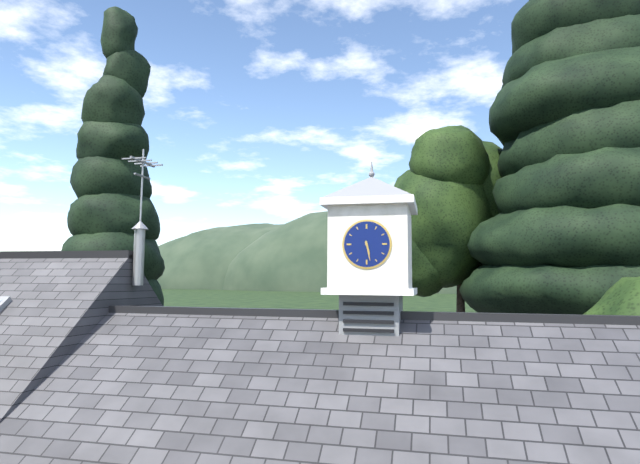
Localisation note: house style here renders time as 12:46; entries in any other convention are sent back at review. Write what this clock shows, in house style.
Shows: 5:28
